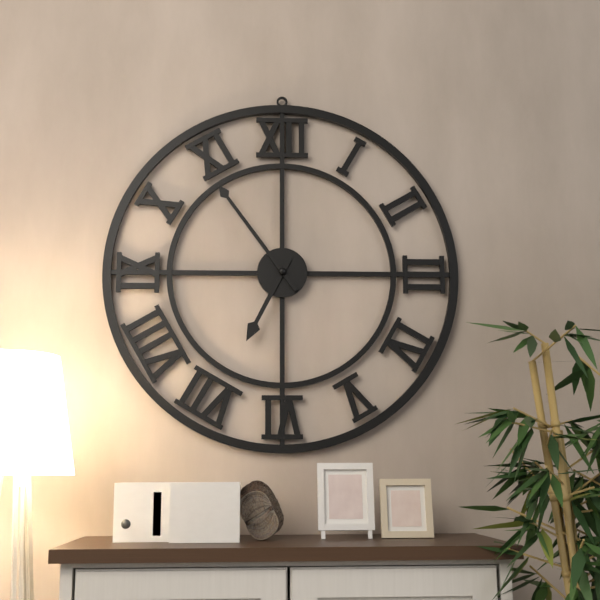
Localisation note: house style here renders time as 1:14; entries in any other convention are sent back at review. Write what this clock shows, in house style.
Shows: 6:54
